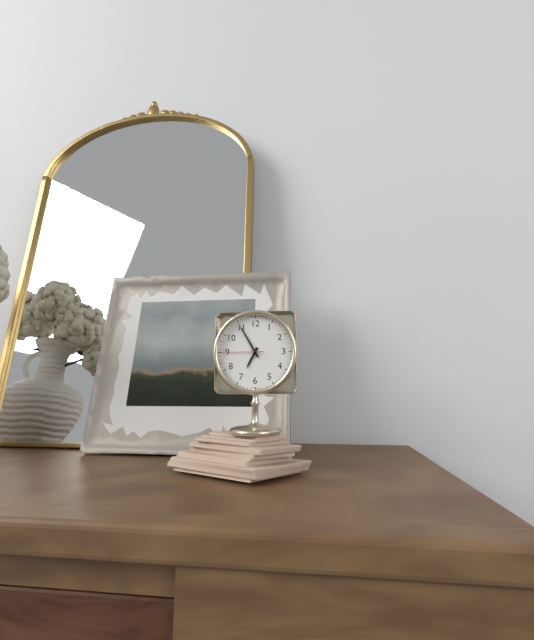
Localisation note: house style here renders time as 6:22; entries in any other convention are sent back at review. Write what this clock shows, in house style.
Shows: 6:55
